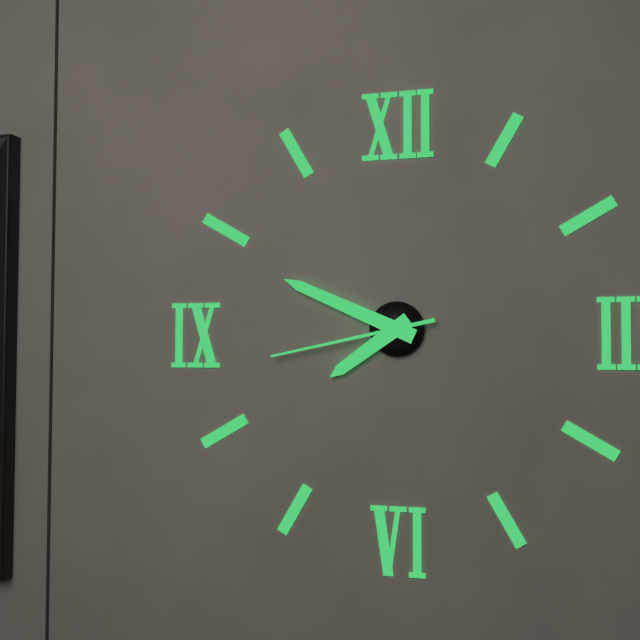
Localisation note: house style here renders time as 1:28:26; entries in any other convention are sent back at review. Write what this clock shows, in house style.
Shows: 7:49:43
